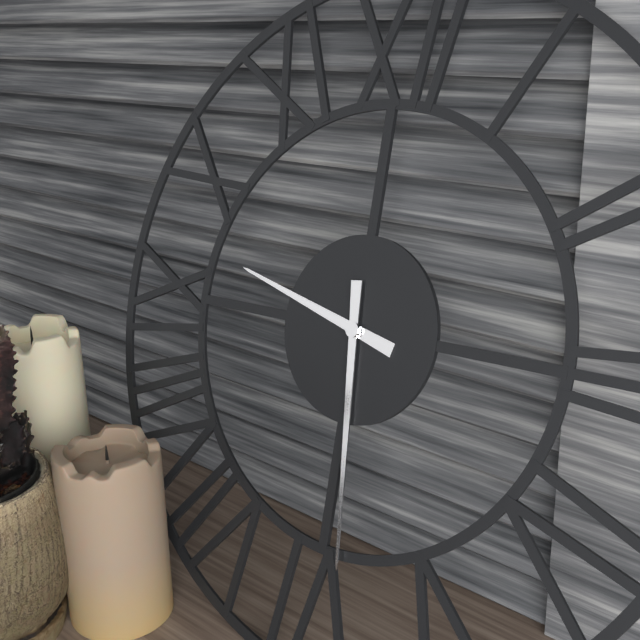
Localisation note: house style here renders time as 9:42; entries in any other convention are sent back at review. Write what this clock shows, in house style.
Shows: 9:29
